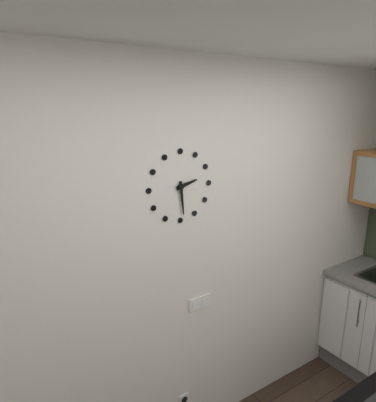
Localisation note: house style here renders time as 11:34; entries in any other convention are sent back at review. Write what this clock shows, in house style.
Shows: 2:29
